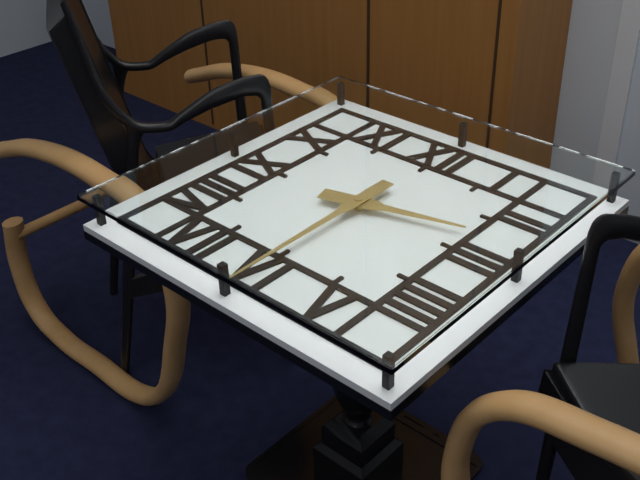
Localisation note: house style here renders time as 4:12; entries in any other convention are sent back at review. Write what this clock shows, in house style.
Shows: 2:30
